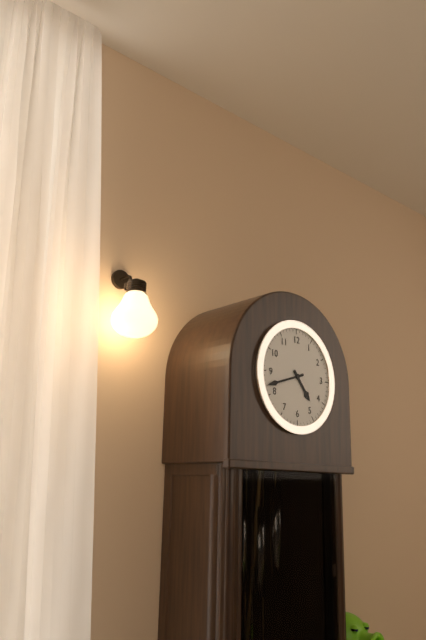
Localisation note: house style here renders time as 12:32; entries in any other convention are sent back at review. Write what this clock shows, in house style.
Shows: 4:42
